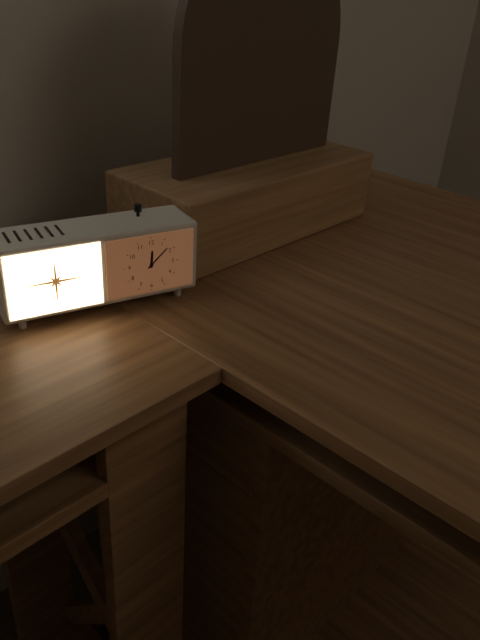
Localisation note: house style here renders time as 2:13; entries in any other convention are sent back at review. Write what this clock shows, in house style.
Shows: 12:08
